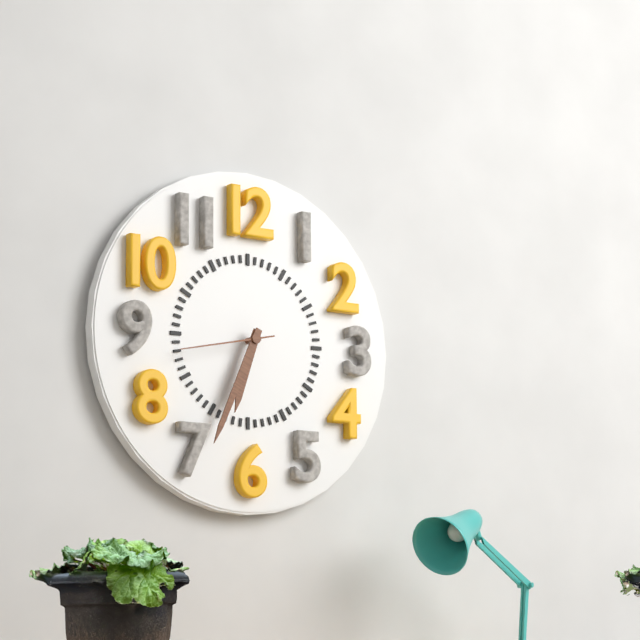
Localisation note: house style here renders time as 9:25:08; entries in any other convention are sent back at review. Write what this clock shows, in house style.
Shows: 6:34:43
